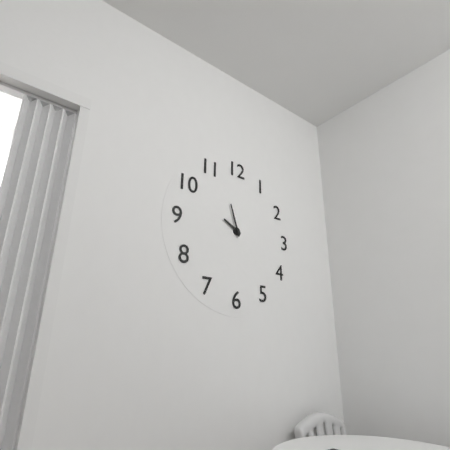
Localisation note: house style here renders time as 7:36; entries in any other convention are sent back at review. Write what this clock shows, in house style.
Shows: 9:57
